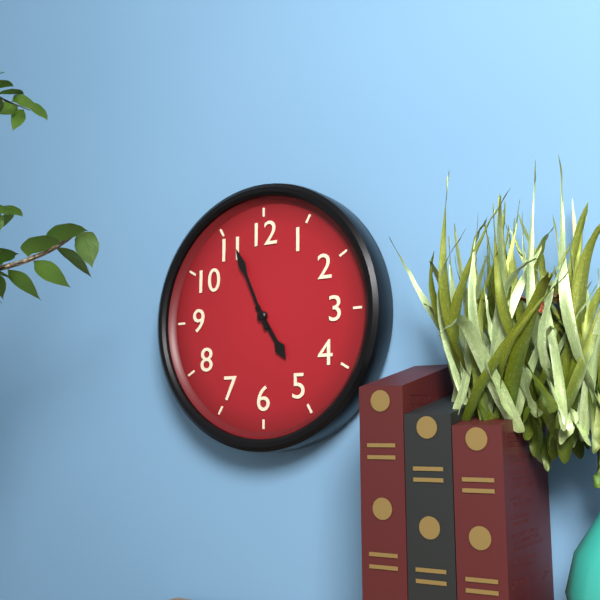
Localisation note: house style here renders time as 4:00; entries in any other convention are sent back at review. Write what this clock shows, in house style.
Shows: 4:56
